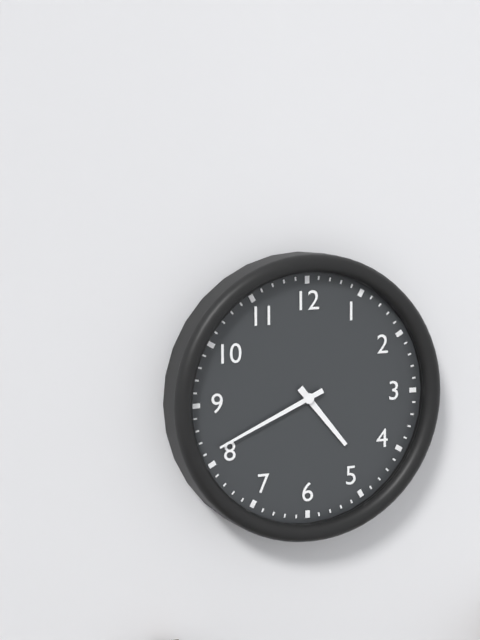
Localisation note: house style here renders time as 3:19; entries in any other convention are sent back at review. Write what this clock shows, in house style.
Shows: 4:41
